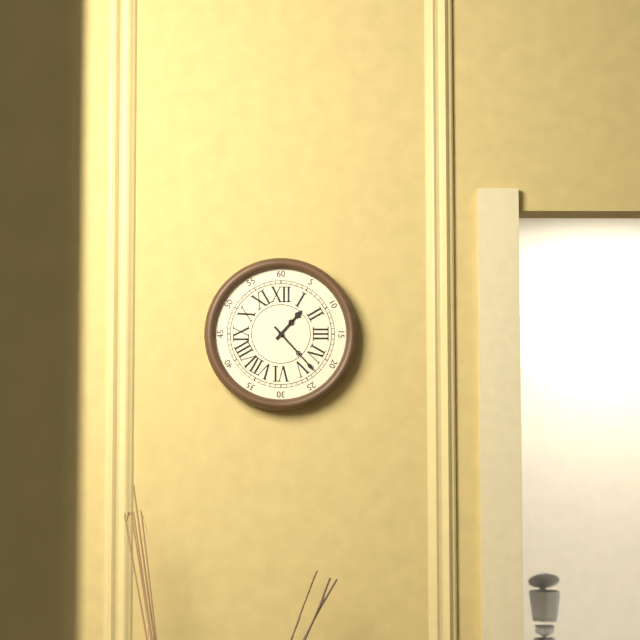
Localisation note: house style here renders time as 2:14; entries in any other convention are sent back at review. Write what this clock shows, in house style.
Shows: 1:23
